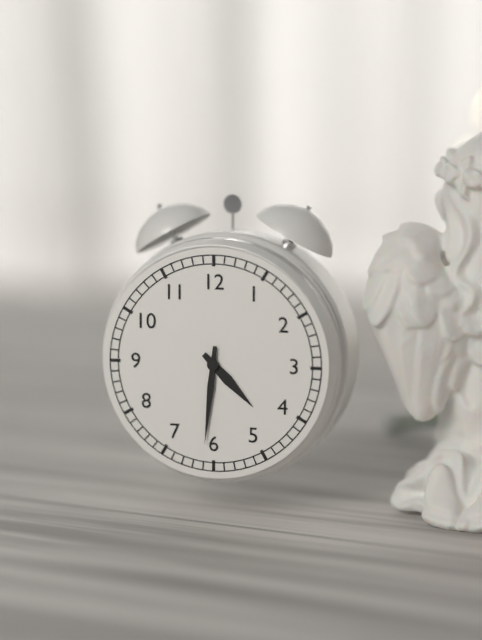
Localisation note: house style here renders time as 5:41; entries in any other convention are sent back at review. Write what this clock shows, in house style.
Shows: 4:31
